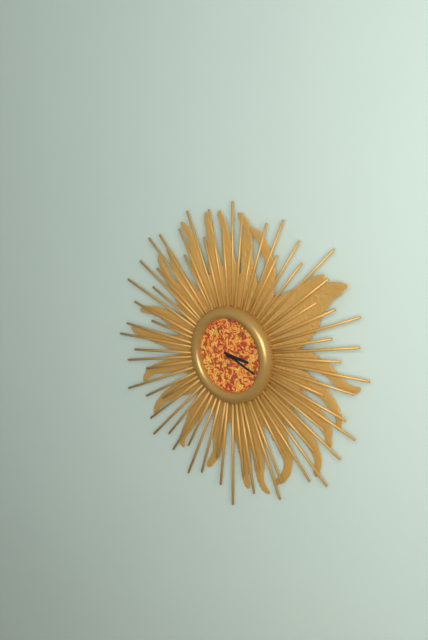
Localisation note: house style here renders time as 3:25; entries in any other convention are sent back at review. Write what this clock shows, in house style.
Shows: 3:19
